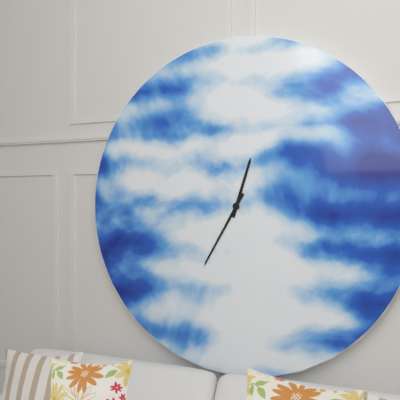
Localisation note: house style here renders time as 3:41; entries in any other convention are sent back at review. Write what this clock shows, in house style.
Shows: 12:35
